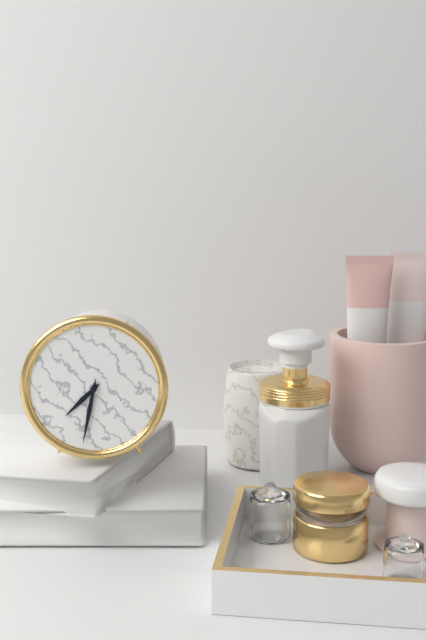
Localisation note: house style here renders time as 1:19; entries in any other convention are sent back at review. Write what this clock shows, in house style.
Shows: 7:32
